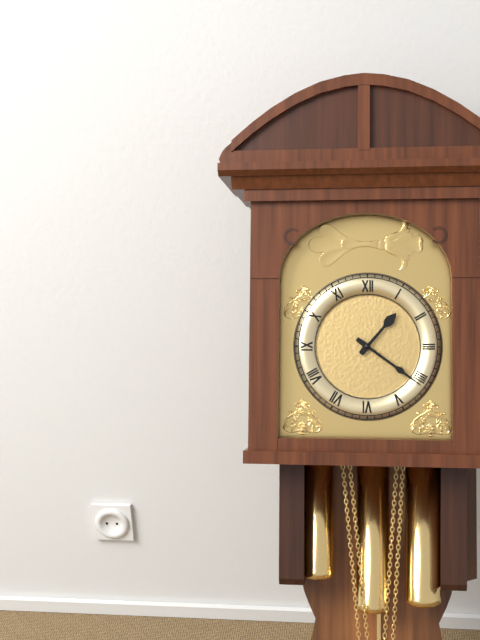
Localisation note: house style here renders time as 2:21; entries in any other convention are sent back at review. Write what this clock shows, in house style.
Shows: 1:21
